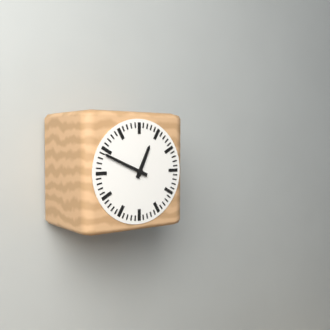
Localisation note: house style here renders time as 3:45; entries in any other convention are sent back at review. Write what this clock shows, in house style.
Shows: 12:49
